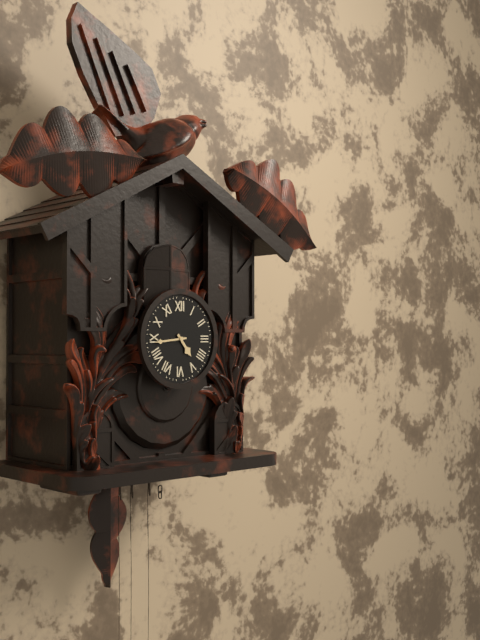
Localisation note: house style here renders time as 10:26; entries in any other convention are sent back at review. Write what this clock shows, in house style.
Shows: 4:44
